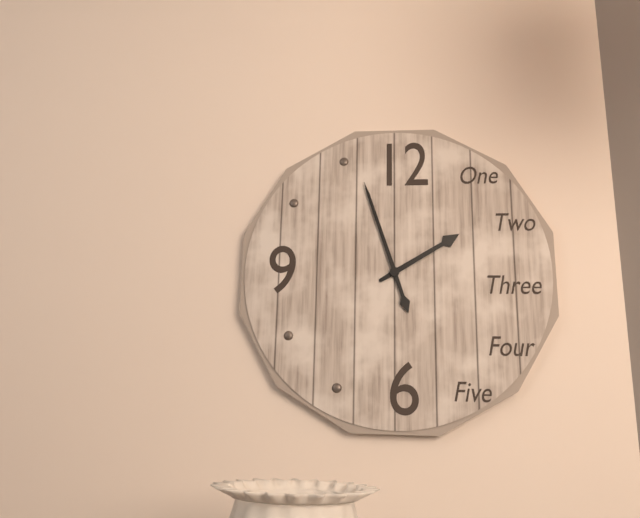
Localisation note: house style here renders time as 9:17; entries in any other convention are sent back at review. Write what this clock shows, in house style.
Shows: 1:57
